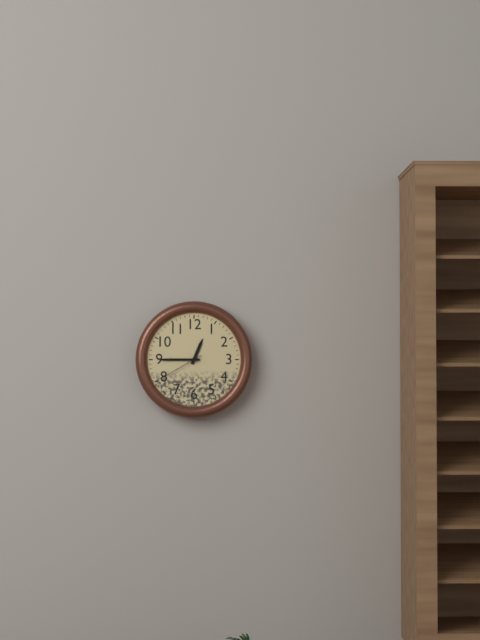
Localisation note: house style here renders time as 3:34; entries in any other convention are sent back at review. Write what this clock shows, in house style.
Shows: 12:45
